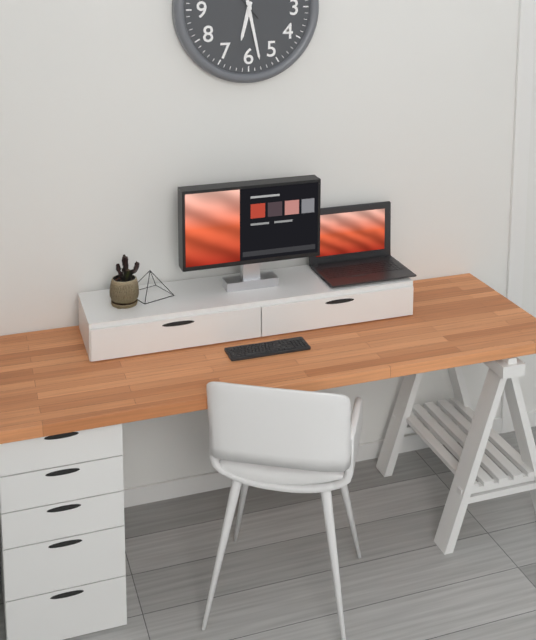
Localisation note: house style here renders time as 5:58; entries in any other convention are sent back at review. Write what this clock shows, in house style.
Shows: 6:28
